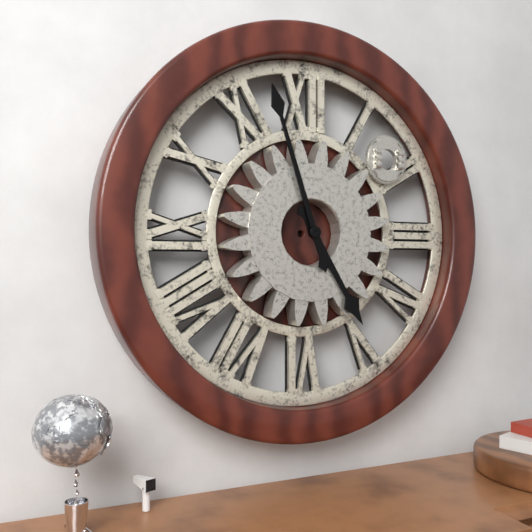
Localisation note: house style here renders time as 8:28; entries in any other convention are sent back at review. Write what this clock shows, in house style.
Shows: 4:57
